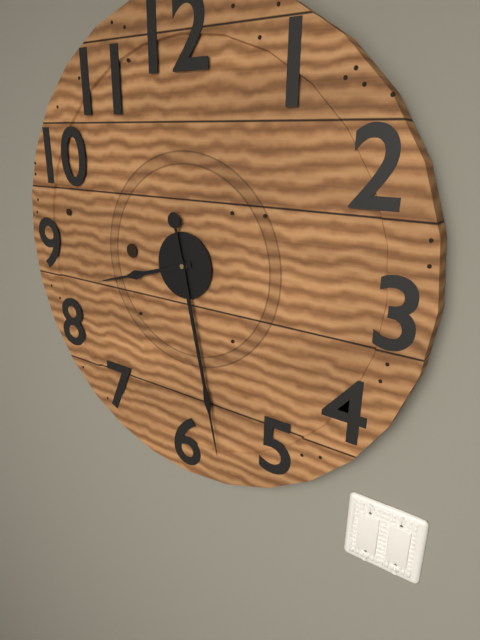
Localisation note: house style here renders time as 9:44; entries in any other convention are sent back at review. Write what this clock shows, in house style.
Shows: 8:28
